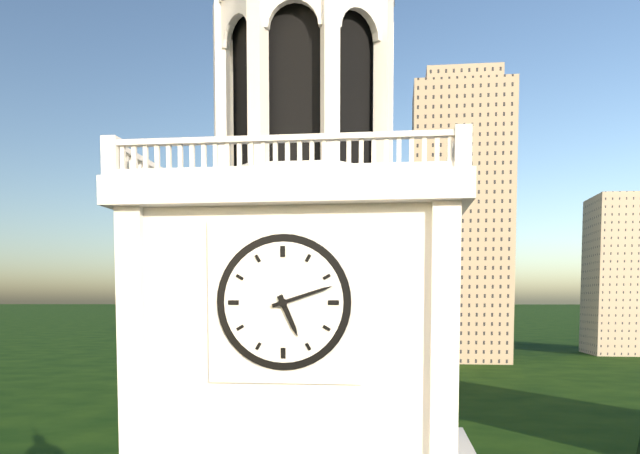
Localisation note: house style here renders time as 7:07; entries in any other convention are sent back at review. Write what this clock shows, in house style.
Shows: 5:12
